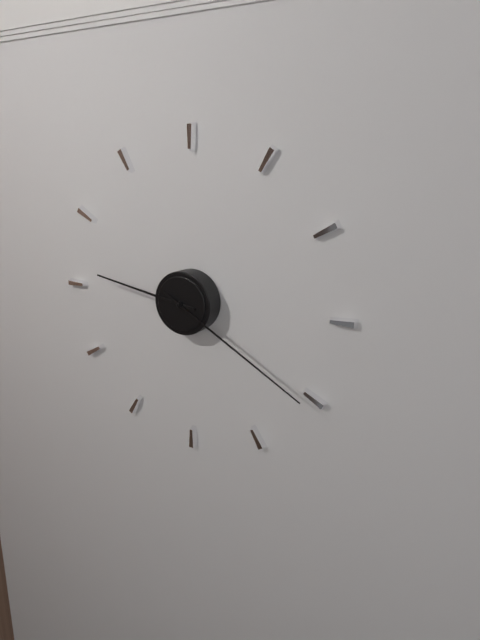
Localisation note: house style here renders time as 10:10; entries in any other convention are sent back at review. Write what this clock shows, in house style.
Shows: 9:20
